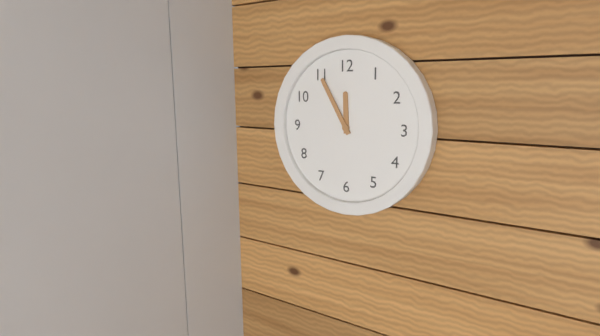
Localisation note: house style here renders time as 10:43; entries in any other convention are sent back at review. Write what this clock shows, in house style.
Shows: 11:55
